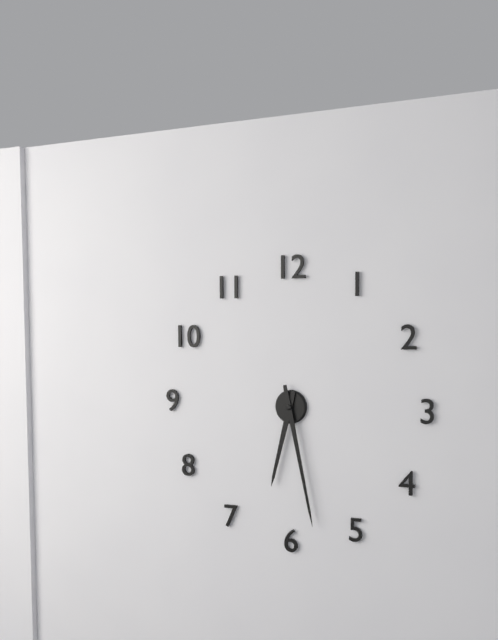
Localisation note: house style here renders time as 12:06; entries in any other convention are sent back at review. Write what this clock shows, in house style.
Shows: 6:28
